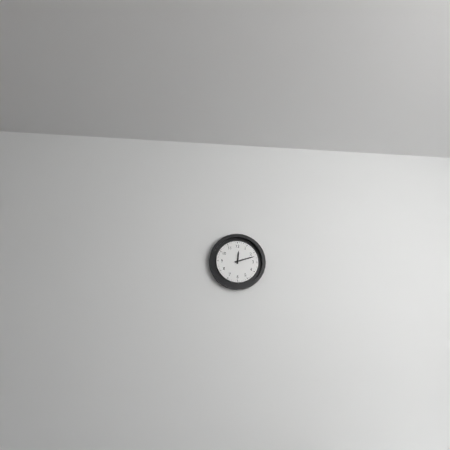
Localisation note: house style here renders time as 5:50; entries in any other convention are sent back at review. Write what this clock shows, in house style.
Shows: 12:12
